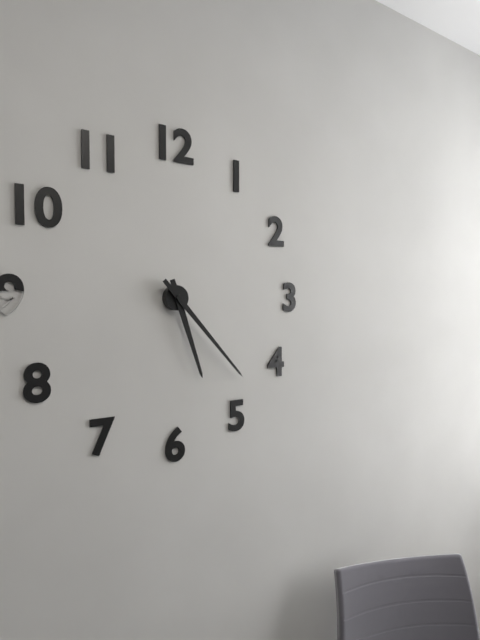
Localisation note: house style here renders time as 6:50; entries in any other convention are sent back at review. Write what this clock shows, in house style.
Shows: 5:23
